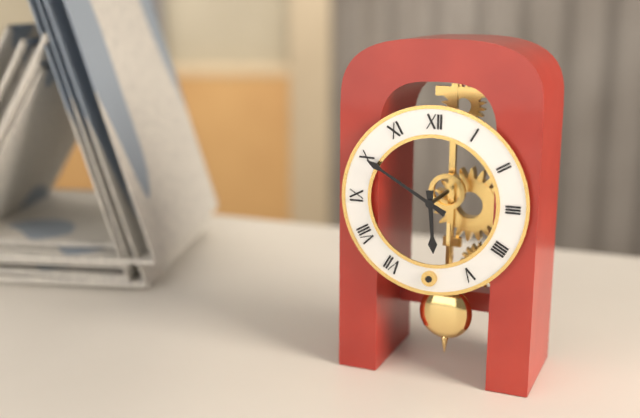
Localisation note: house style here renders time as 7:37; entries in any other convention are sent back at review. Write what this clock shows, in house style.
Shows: 5:50
